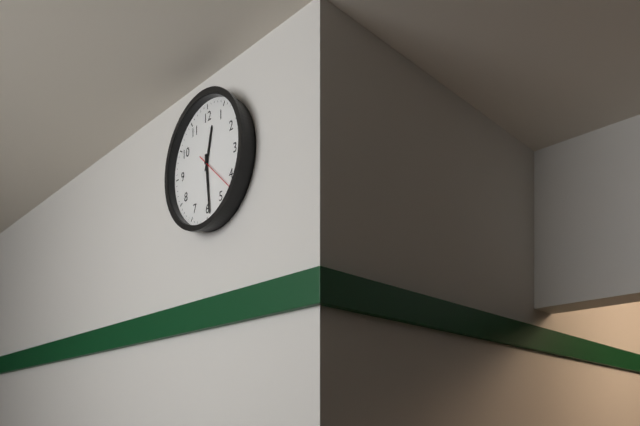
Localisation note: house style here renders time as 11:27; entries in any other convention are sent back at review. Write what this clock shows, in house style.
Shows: 12:29
